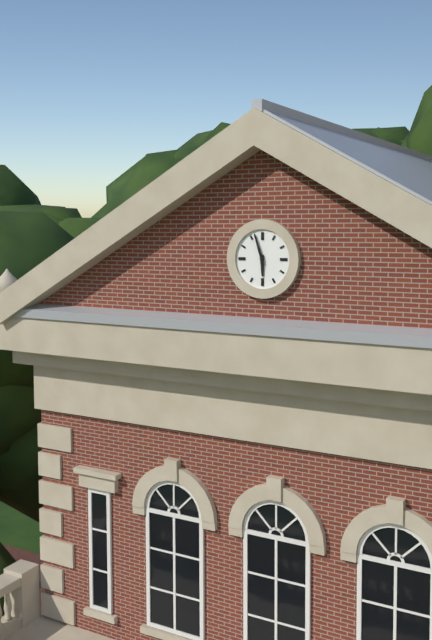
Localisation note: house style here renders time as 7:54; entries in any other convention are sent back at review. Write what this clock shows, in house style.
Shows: 5:57
